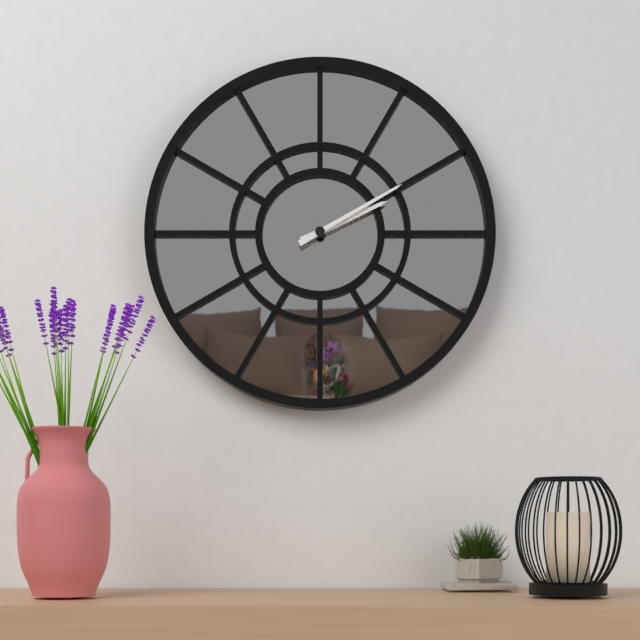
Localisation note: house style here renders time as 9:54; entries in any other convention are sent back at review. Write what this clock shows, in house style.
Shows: 2:10
